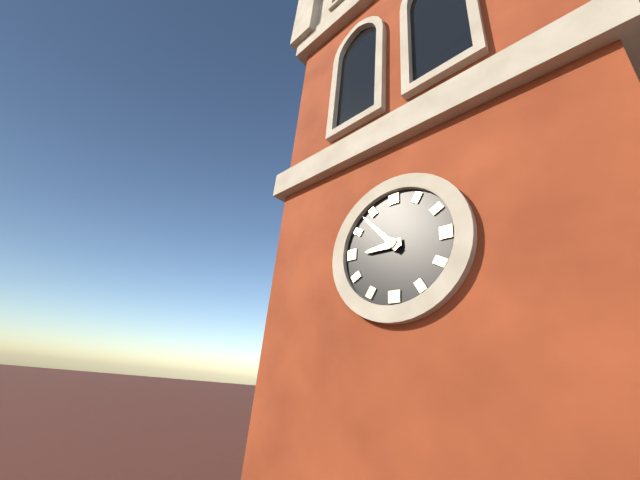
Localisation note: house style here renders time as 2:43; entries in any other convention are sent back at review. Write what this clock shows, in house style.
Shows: 8:53
